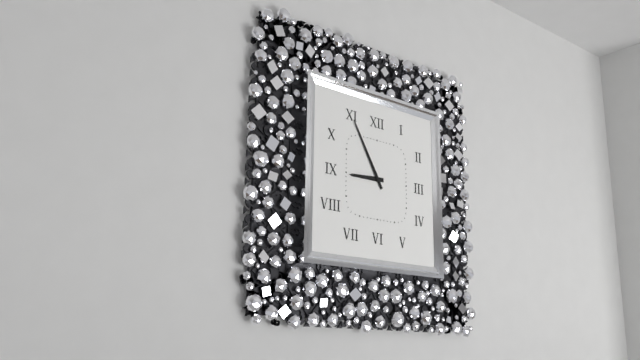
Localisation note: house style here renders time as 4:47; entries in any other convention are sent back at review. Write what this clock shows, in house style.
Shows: 8:55
